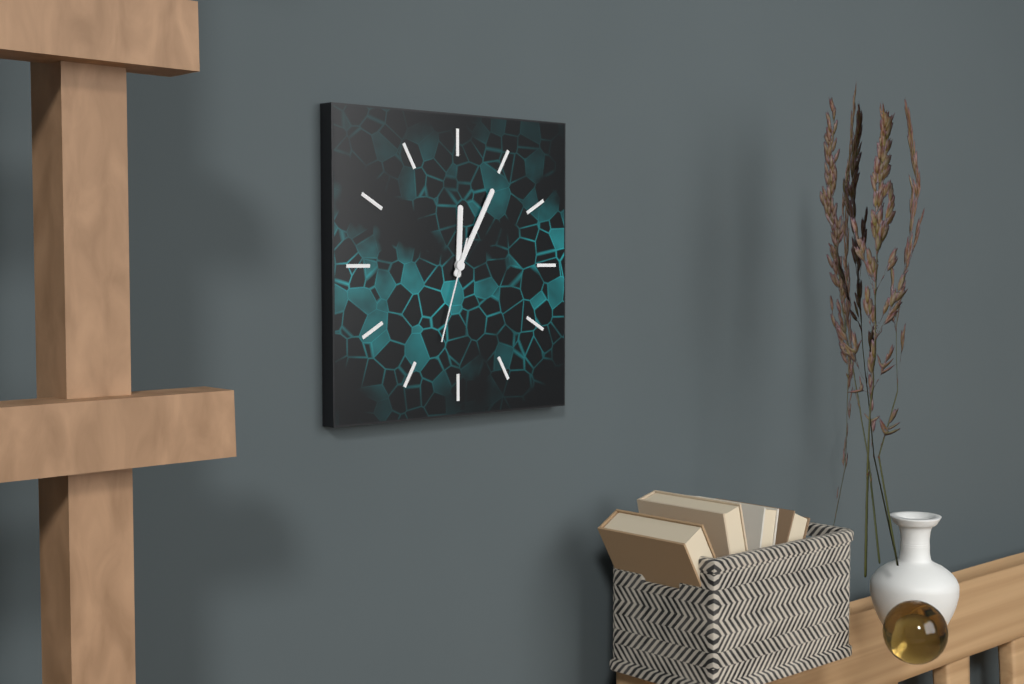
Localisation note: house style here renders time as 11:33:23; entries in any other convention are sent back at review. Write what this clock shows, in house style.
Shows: 12:05:33
